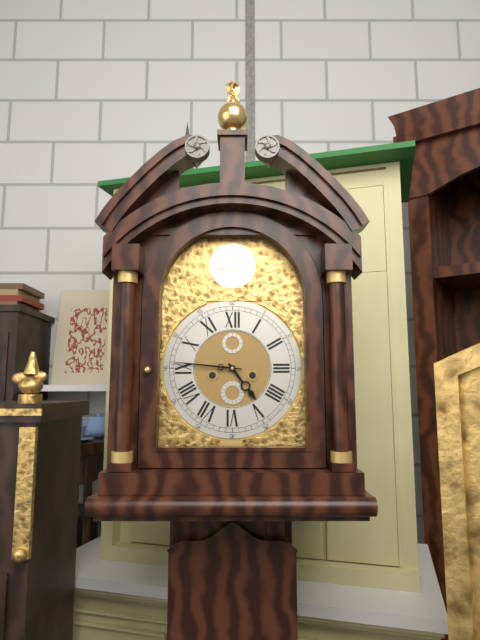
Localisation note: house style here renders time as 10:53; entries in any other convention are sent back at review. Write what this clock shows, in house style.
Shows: 4:46
